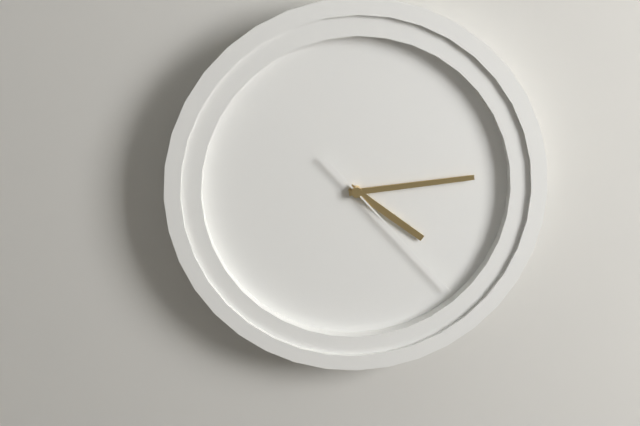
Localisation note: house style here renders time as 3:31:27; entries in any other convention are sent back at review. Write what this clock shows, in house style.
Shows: 4:14:23
